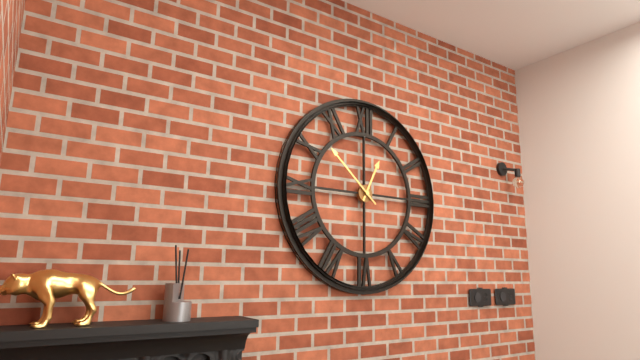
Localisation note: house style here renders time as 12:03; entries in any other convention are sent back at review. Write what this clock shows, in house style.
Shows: 12:52
